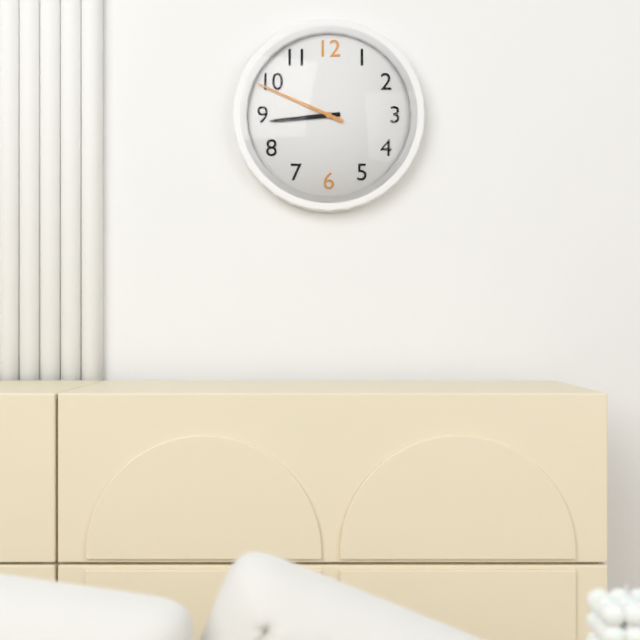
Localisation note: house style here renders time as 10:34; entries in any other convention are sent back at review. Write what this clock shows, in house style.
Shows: 8:49
